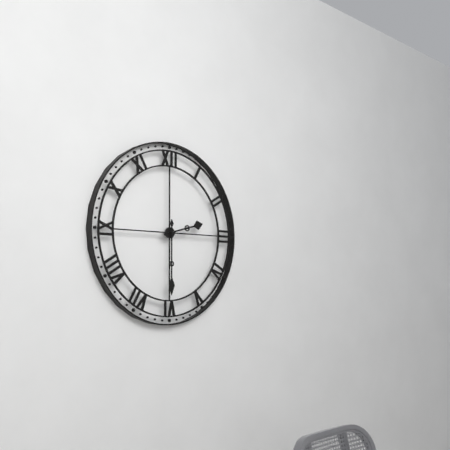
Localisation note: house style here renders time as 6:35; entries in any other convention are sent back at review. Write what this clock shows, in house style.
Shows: 2:30
